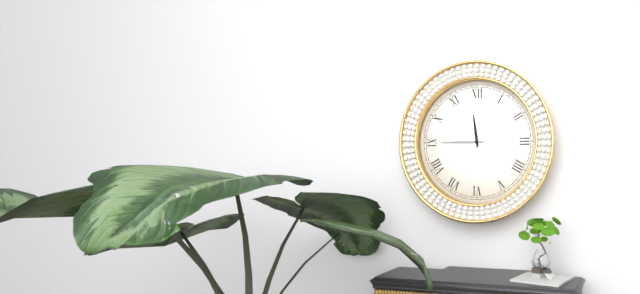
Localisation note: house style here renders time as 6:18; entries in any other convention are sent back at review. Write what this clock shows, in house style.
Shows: 11:45
